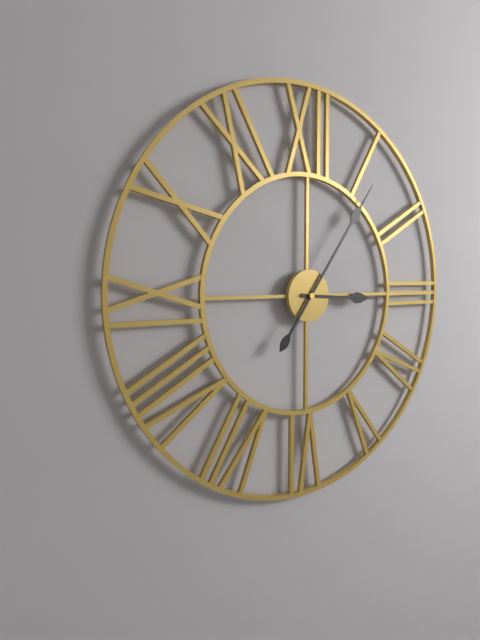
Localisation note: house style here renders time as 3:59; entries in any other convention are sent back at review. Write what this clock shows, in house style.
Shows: 3:06
